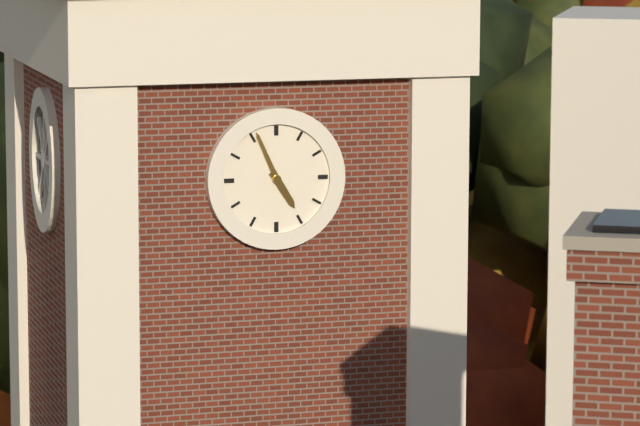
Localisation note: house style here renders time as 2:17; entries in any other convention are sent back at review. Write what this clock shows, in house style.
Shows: 4:56
